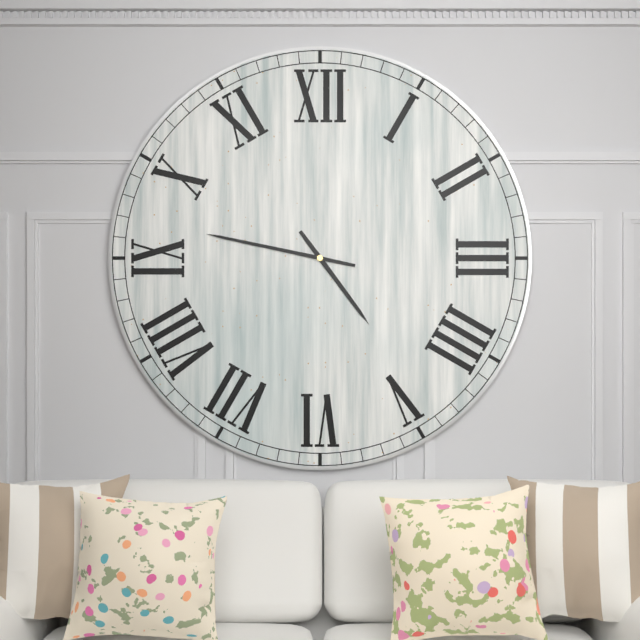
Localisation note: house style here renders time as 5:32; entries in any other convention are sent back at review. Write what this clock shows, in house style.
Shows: 4:47
